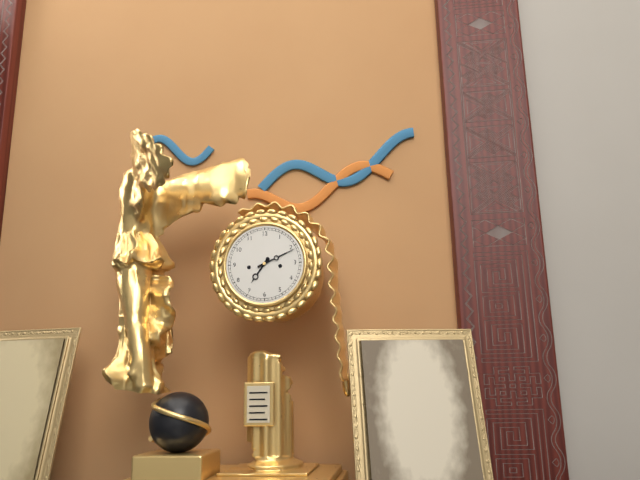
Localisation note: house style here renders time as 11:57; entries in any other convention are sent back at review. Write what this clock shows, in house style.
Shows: 7:11
